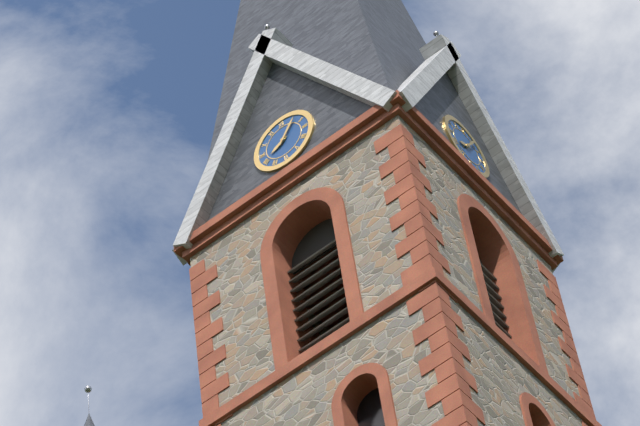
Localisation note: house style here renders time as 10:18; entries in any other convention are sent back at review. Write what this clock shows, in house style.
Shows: 8:06
